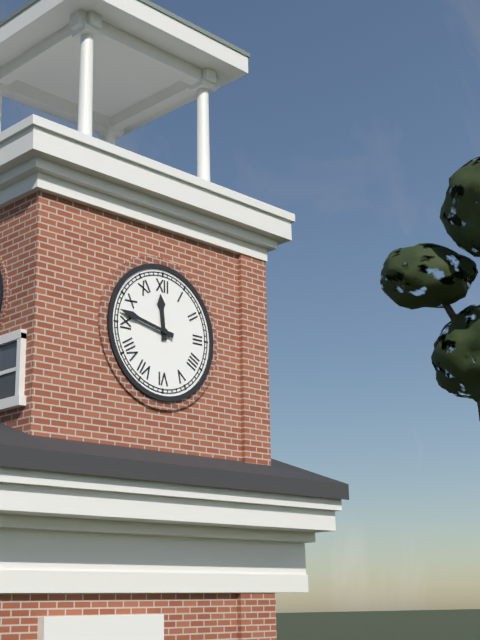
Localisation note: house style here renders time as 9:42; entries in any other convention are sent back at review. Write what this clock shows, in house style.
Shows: 11:47
